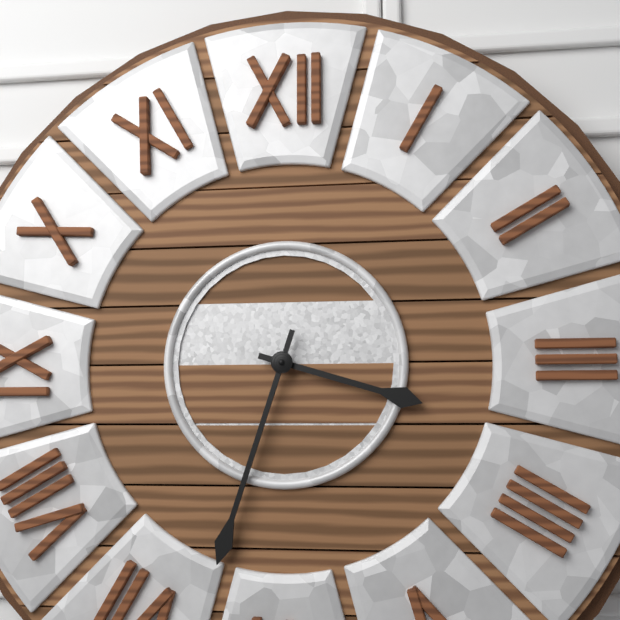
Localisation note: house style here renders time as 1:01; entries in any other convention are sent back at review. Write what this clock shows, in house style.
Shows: 3:33
